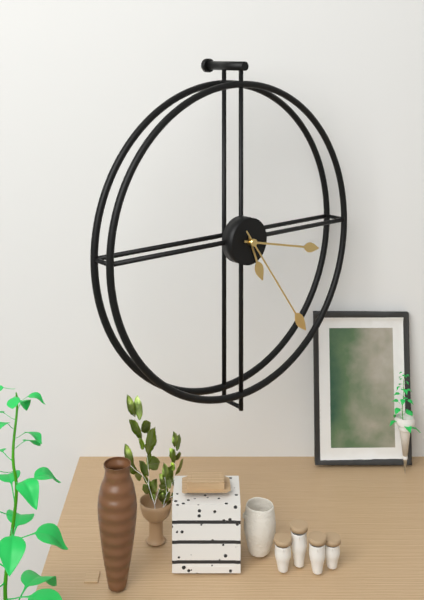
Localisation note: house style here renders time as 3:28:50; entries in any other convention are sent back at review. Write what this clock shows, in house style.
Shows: 5:17:24
